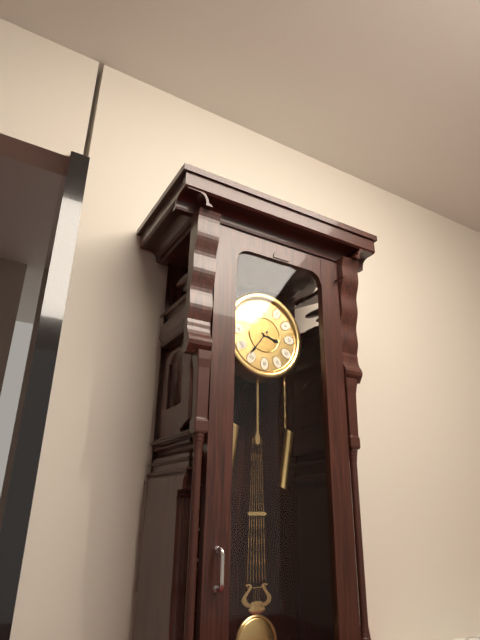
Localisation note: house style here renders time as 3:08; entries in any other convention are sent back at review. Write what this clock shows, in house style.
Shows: 3:36
